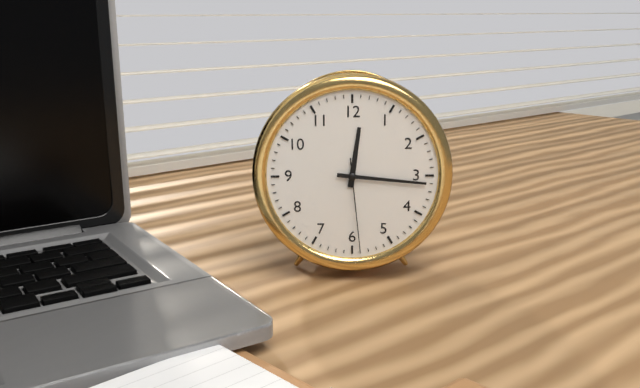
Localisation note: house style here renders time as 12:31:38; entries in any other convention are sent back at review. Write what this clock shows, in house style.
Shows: 12:16:29
